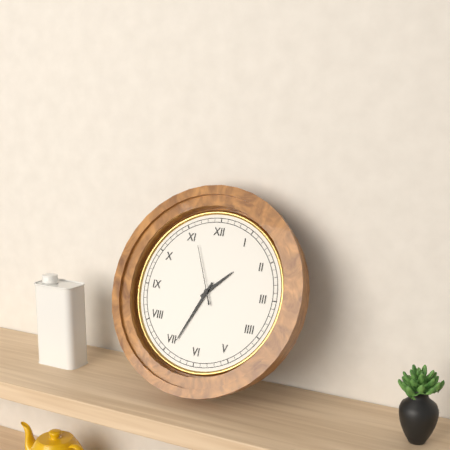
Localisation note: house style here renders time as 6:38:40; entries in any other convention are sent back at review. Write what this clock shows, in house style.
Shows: 1:34:56
